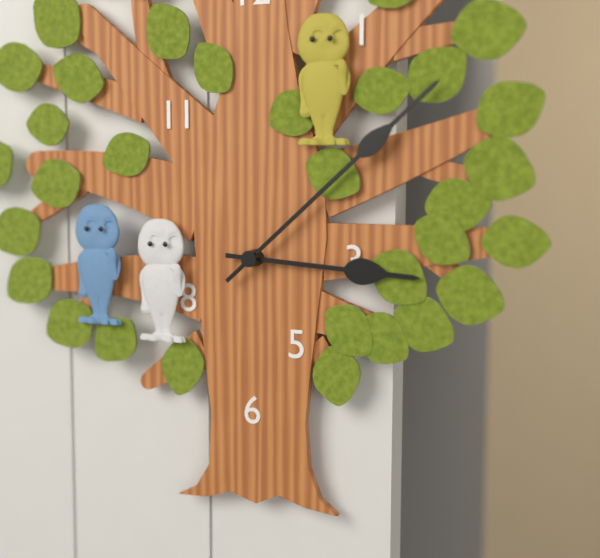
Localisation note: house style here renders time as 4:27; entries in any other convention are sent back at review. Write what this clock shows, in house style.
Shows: 3:08
